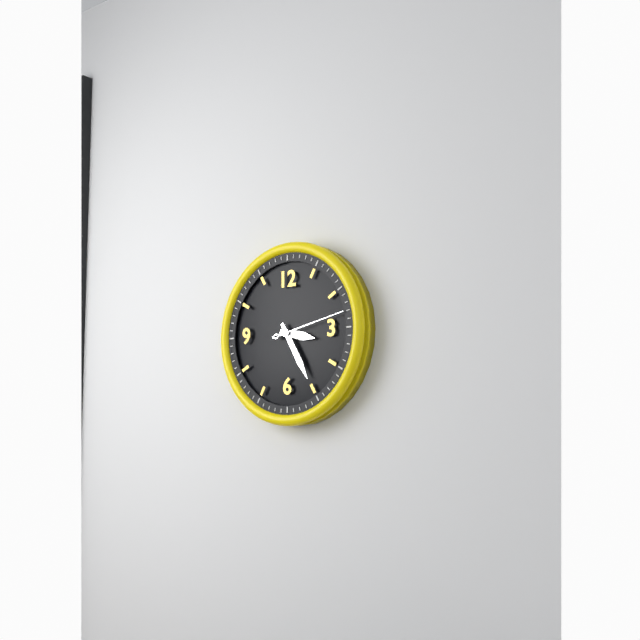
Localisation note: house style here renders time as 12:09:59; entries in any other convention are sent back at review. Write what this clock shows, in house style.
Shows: 3:25:13
